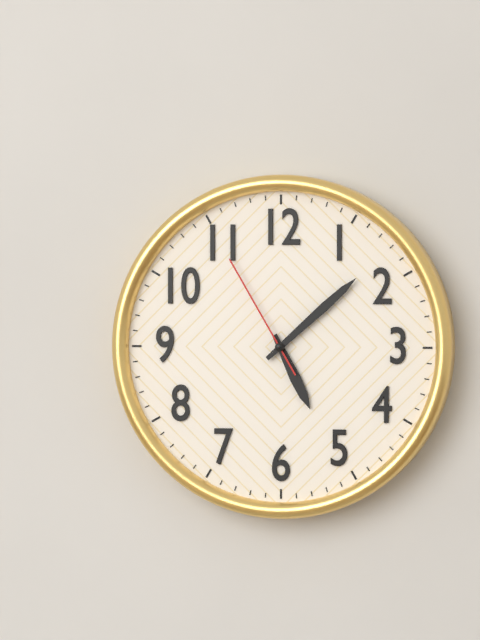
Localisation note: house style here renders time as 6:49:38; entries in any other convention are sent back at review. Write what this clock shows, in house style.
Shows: 5:08:55
